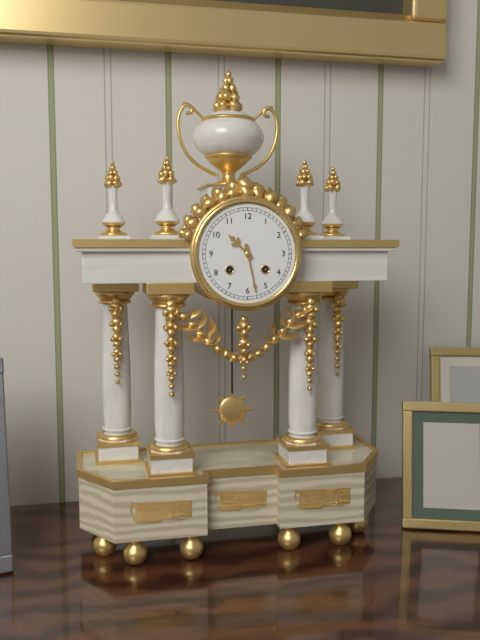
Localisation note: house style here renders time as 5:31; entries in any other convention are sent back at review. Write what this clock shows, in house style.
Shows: 10:28
